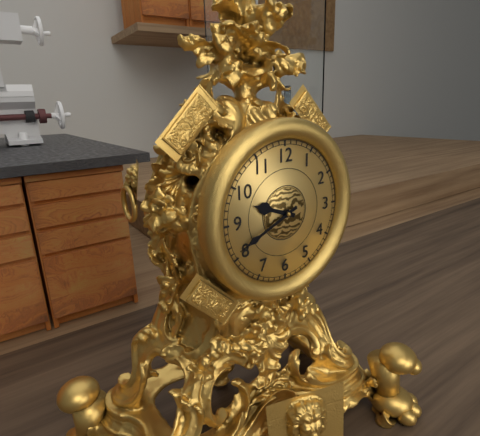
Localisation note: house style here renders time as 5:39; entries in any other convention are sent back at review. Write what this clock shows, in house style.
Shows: 9:41
